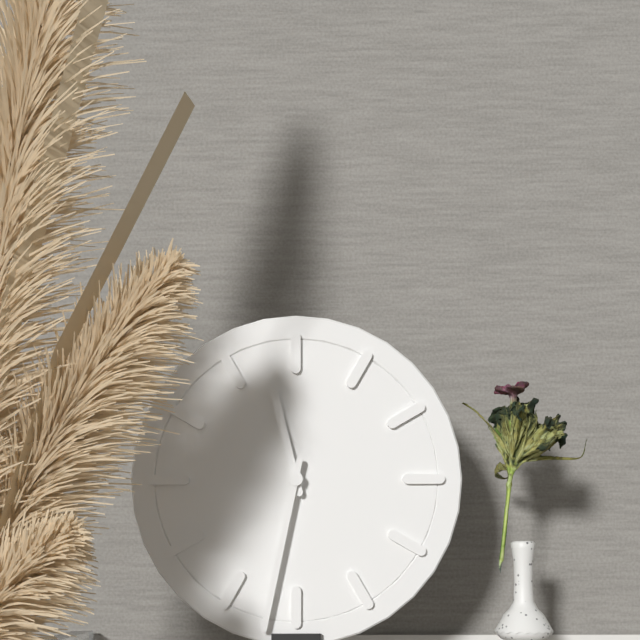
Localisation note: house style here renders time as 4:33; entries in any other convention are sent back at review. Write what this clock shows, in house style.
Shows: 11:32
